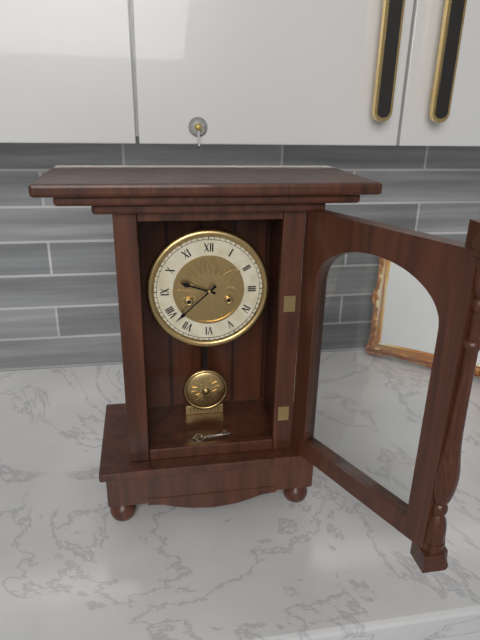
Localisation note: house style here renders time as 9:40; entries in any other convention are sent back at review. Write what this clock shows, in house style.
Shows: 9:38
